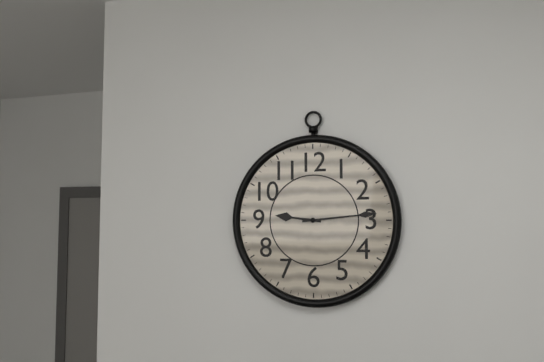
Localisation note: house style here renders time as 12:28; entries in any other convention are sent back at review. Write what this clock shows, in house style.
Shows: 9:14
